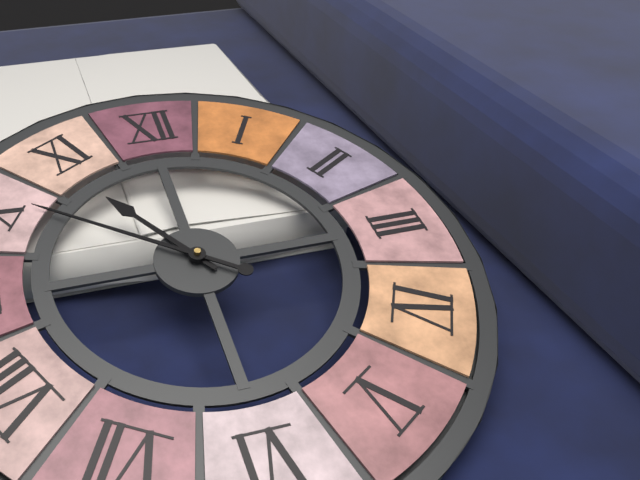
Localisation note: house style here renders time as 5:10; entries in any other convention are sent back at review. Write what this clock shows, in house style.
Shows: 10:51
